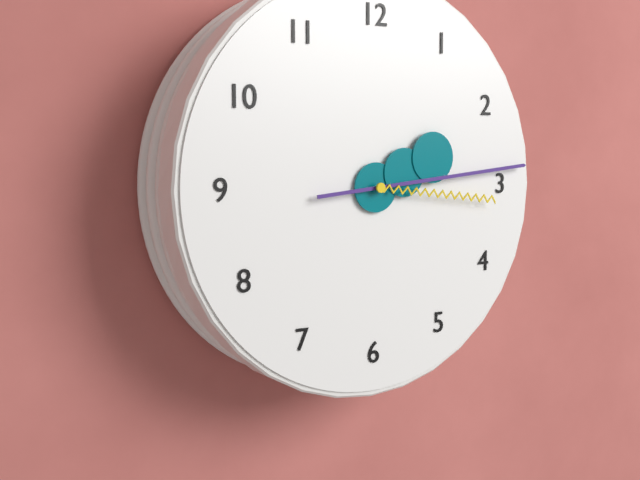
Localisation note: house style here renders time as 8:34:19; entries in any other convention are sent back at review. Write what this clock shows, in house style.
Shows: 2:14:16
